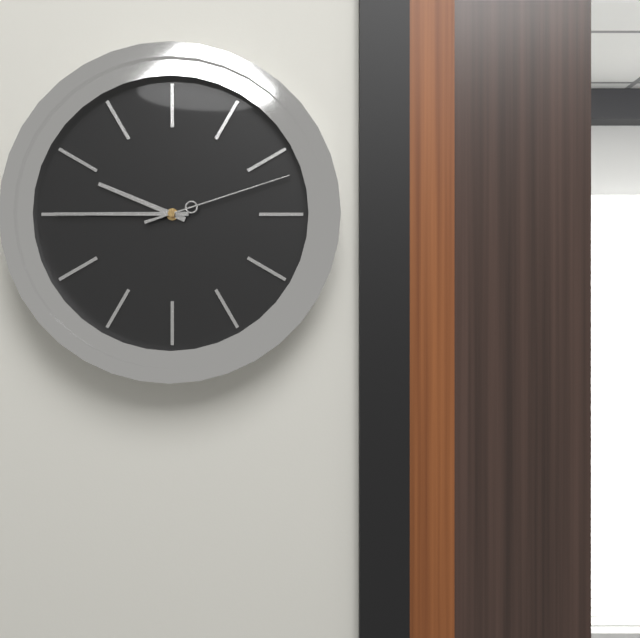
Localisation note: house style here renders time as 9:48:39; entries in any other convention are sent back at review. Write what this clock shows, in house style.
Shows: 9:45:12
